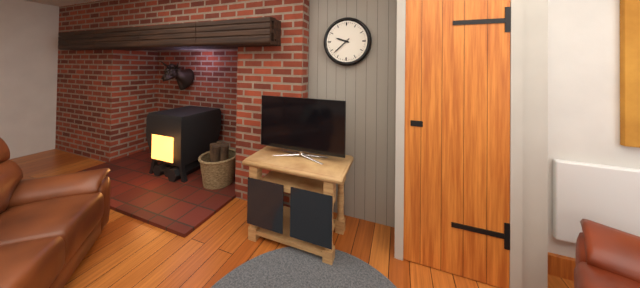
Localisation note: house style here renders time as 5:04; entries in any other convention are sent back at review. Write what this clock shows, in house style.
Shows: 9:38
